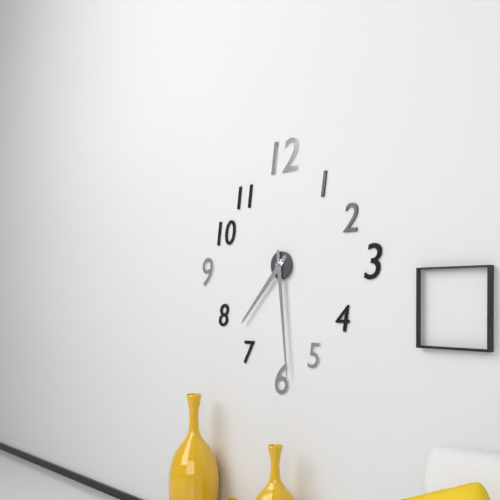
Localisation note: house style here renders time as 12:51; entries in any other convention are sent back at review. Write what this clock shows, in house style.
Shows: 7:29
